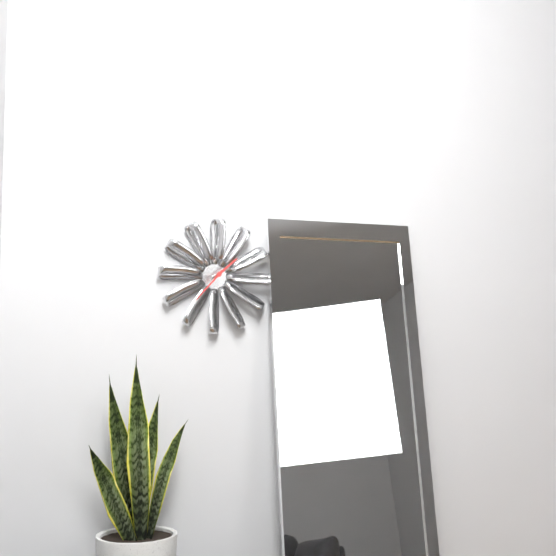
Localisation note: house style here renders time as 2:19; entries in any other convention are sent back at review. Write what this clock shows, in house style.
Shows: 1:37
